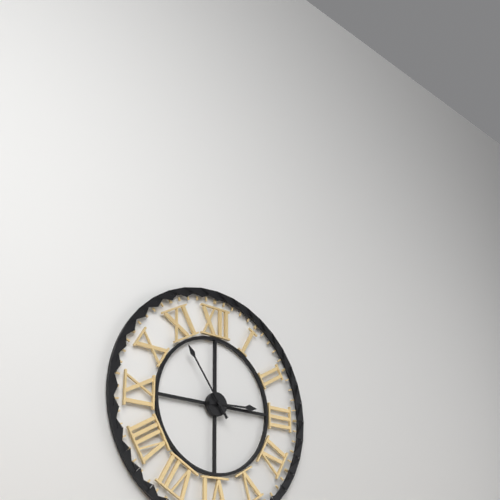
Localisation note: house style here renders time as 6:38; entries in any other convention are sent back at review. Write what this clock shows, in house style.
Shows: 2:54
